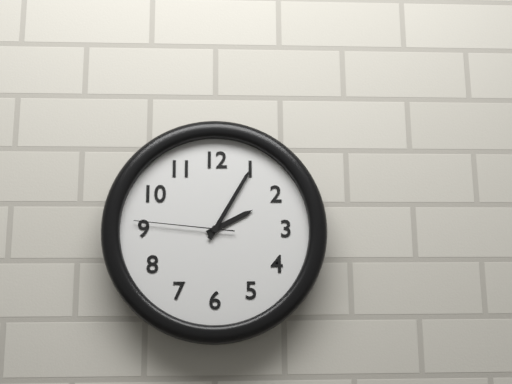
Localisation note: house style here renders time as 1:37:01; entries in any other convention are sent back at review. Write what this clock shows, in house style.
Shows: 2:05:46
